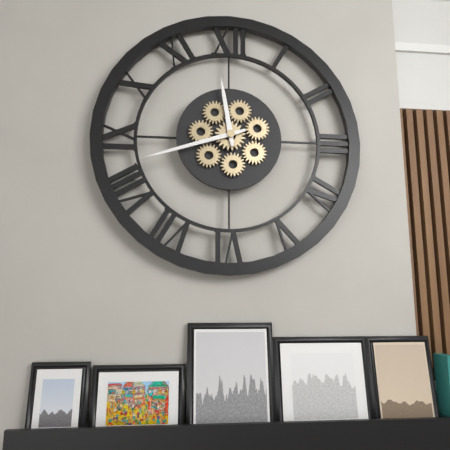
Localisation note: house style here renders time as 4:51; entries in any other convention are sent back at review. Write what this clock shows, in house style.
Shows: 11:42
